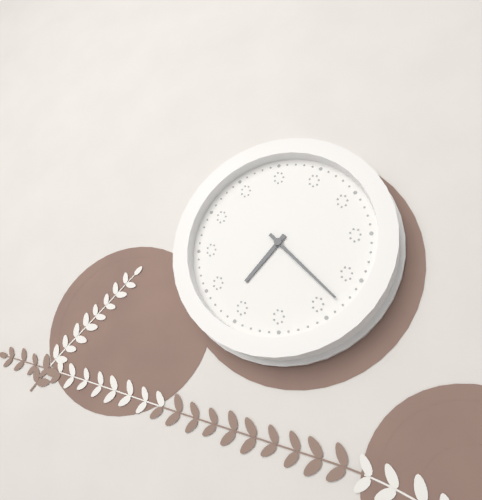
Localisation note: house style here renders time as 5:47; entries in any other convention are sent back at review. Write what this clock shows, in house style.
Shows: 7:23
